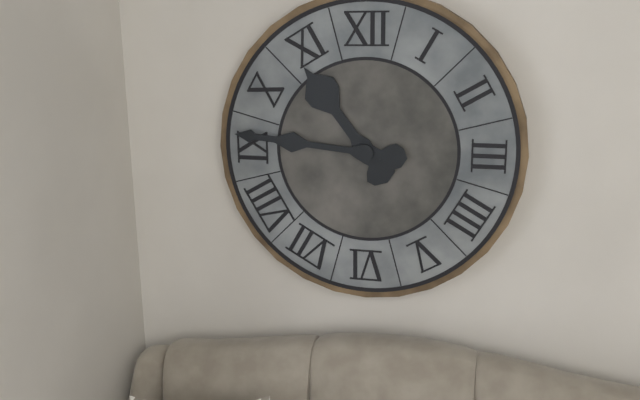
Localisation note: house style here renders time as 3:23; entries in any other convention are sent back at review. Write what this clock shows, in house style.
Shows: 10:46
